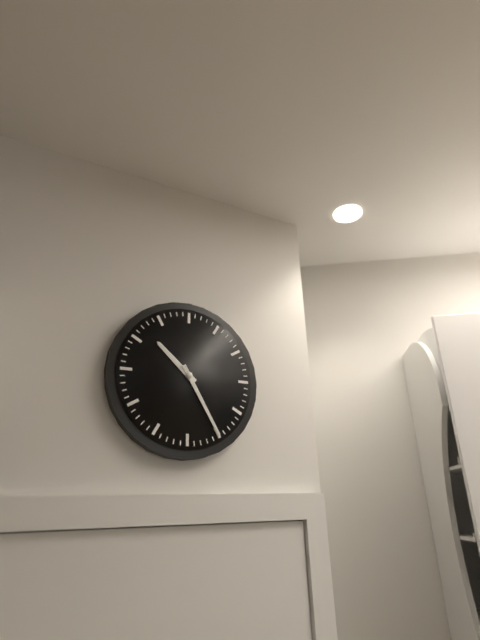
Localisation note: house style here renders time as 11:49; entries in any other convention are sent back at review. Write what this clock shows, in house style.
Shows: 10:25
